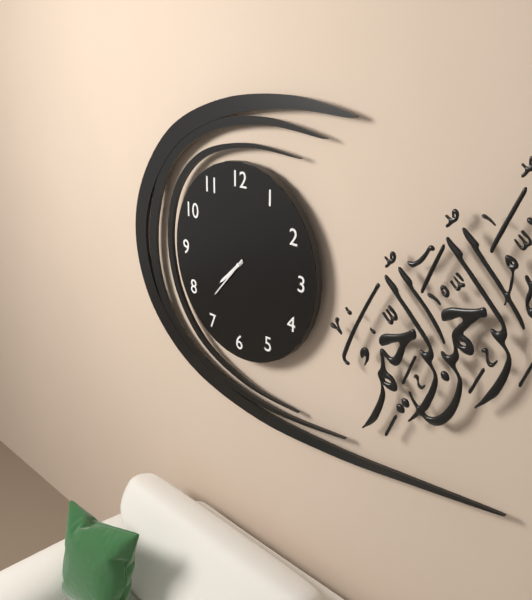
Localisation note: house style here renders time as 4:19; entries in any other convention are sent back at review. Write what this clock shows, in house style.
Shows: 7:37
